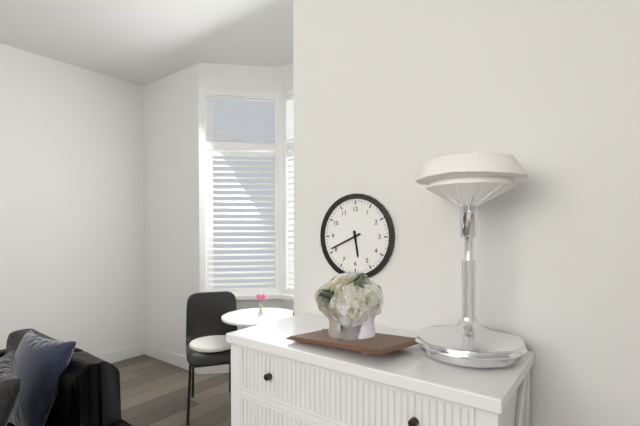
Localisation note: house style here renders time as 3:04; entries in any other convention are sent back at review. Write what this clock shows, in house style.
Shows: 5:41
